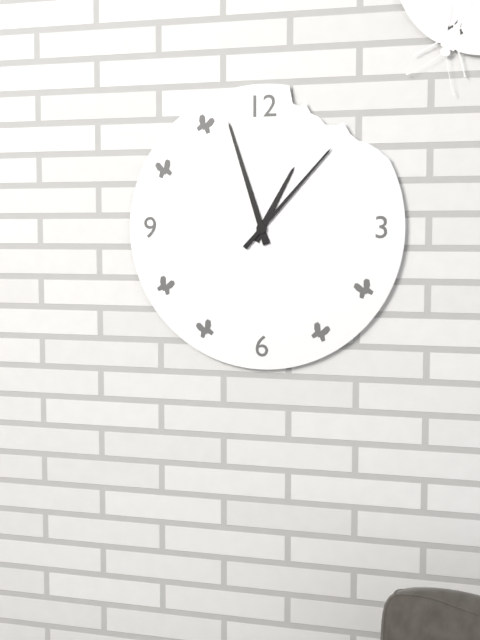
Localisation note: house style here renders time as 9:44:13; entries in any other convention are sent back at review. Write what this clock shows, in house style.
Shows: 12:57:07
